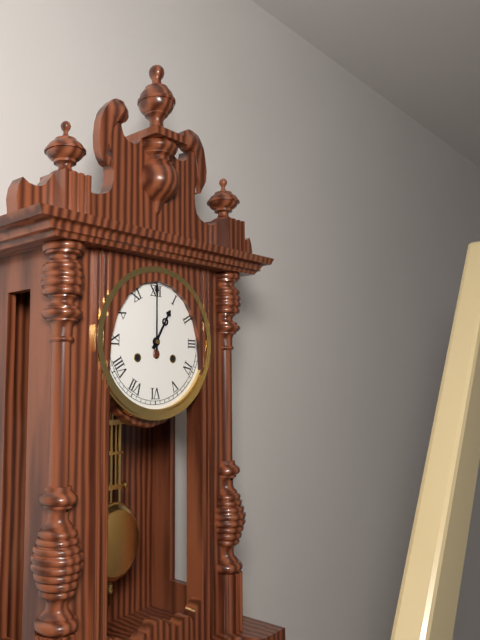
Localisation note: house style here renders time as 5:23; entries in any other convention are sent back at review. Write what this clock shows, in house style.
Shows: 1:00
